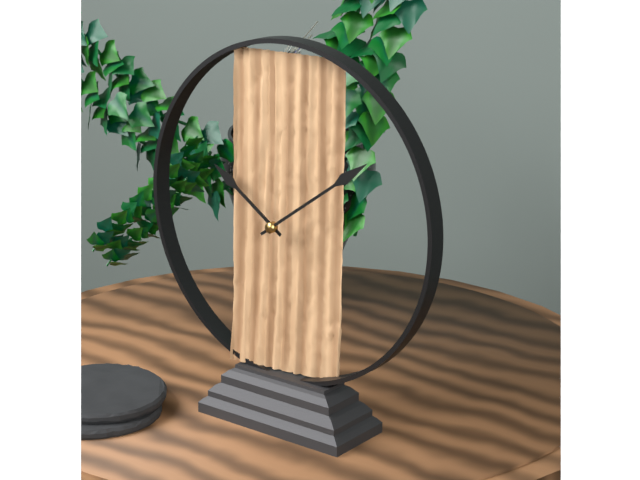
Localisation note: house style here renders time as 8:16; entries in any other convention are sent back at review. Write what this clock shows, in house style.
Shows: 10:09
